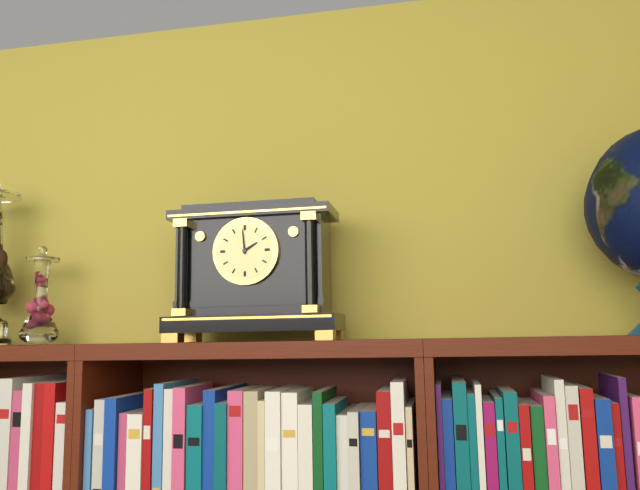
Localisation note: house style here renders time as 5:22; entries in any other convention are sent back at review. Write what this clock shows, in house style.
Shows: 1:59
